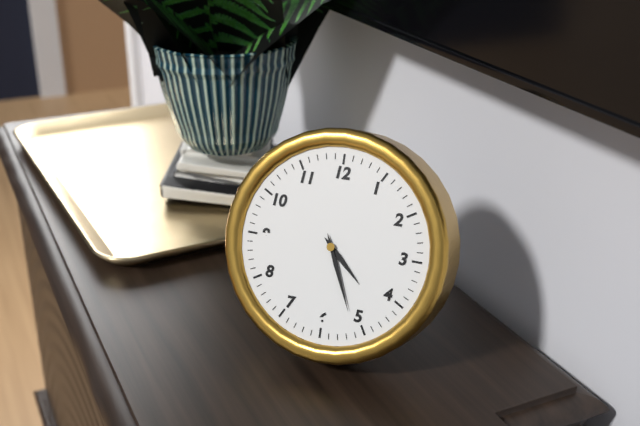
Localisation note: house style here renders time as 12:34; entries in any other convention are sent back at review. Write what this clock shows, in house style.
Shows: 4:26
